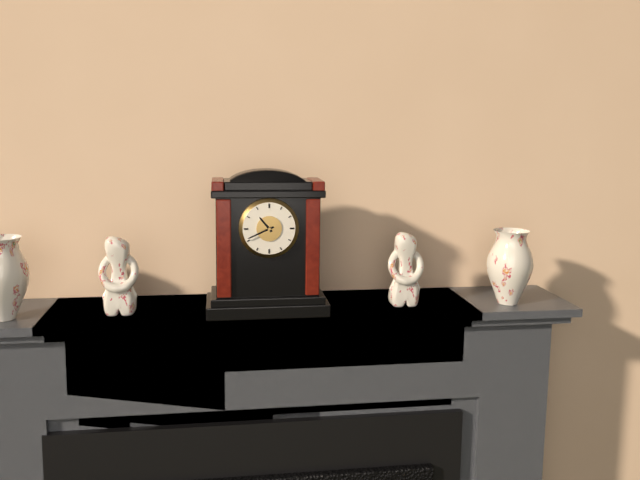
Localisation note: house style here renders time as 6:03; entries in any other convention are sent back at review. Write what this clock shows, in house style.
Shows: 10:41
